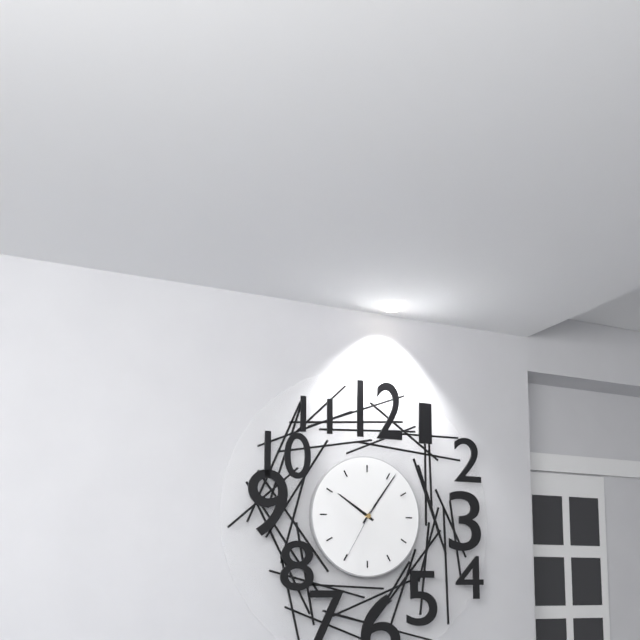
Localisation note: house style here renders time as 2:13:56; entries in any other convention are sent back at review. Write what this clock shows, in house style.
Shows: 10:06:35
